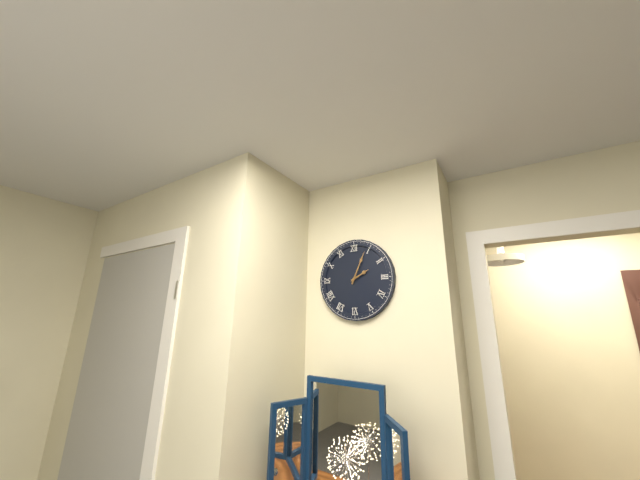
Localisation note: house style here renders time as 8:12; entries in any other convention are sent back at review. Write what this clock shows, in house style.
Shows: 2:04
